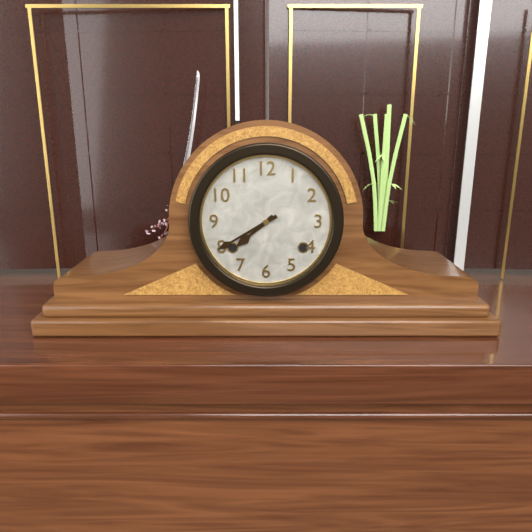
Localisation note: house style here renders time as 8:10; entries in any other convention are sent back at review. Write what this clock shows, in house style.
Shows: 7:40
